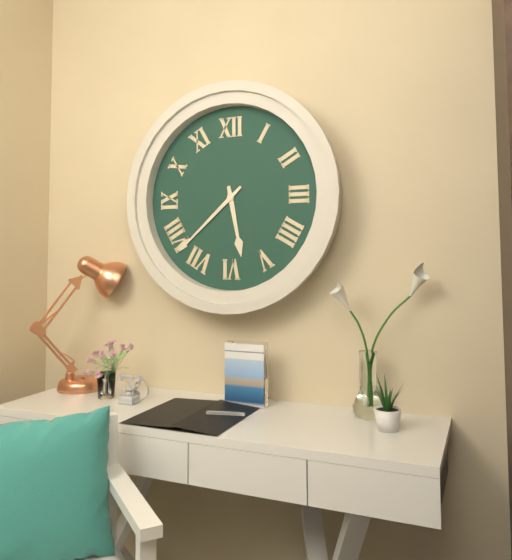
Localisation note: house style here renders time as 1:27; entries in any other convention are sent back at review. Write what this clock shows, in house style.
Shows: 5:38
